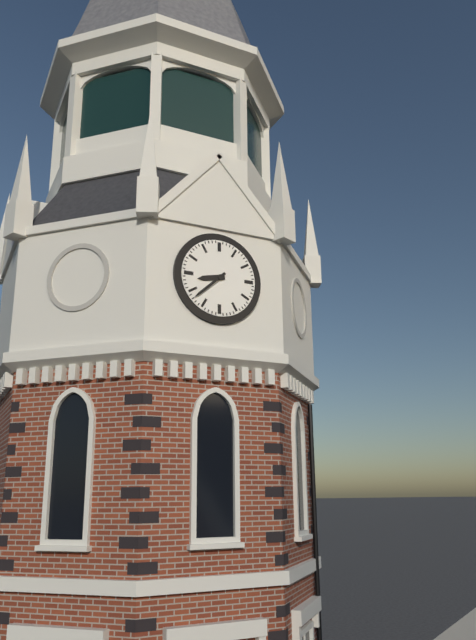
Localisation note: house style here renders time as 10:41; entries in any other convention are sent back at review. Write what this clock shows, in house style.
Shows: 8:38
